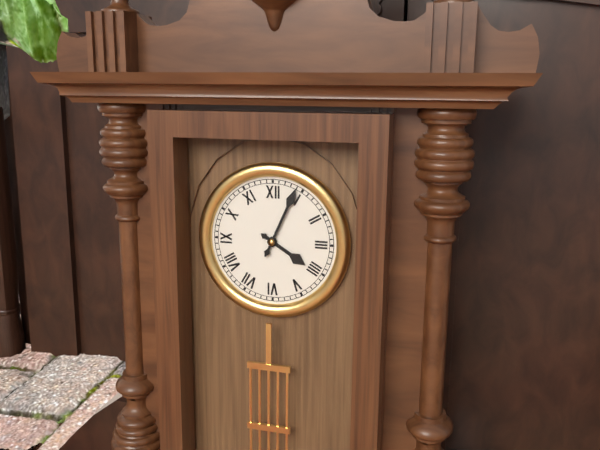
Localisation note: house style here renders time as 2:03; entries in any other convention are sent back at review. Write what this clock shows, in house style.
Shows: 4:04
